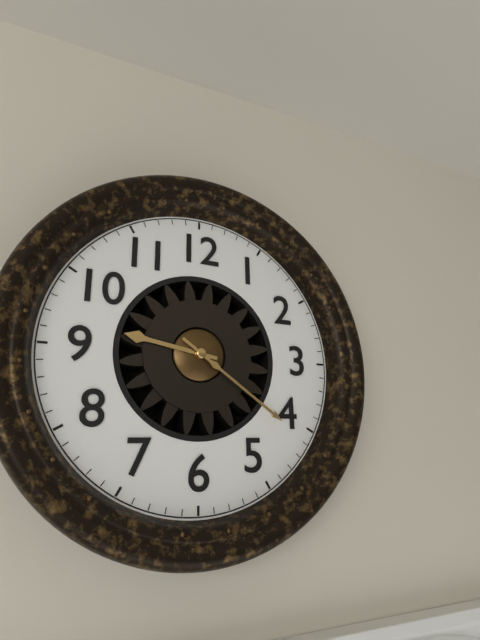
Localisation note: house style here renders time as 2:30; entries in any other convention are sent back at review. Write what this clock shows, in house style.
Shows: 9:21
